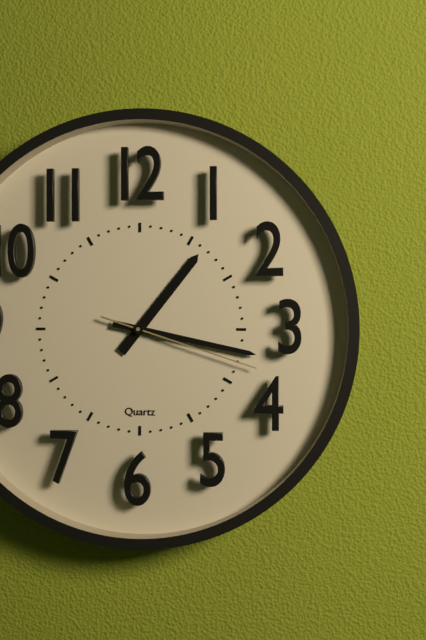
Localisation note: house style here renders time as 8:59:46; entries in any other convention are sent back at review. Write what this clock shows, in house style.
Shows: 1:17:18
